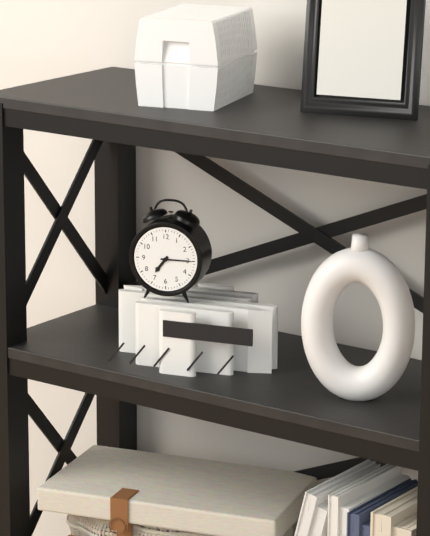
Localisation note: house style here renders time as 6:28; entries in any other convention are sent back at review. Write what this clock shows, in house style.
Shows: 7:15
